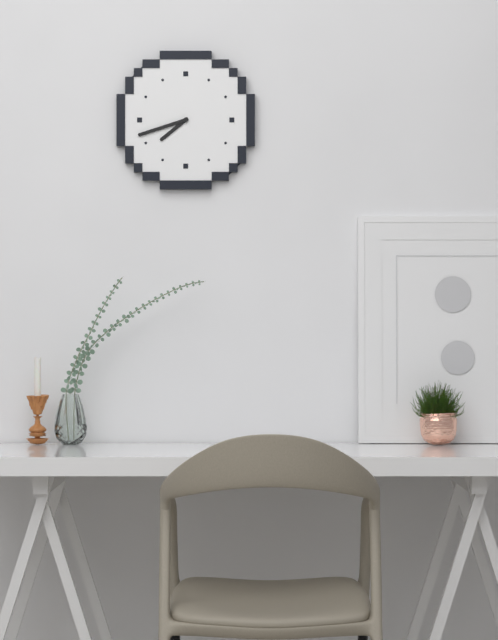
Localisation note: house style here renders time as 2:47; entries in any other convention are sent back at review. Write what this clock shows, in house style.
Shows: 7:42
